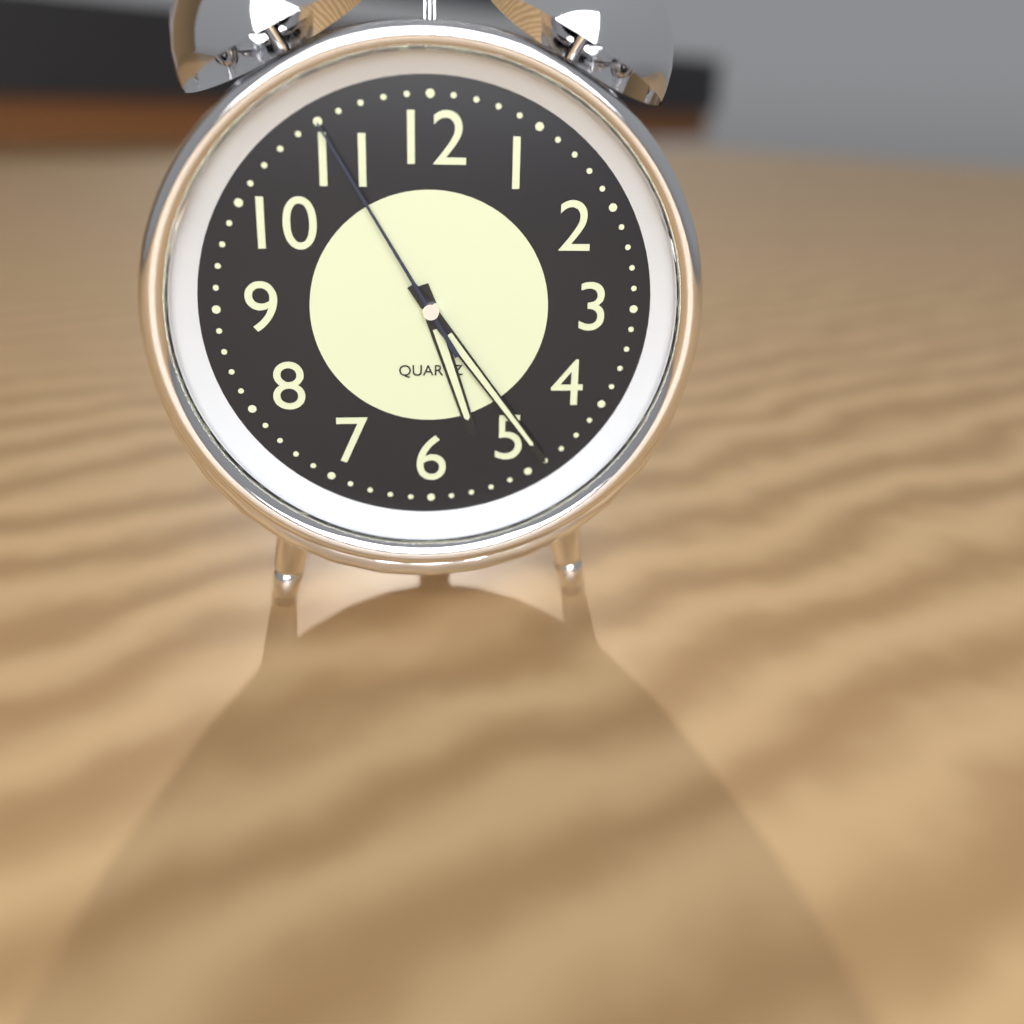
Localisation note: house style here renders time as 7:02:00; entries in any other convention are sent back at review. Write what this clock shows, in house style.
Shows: 5:24:55
